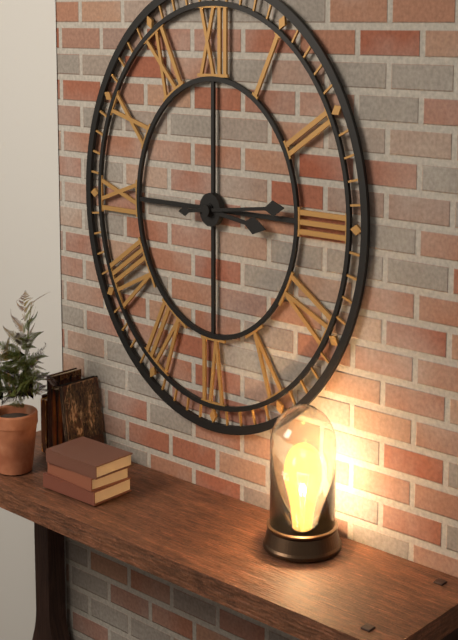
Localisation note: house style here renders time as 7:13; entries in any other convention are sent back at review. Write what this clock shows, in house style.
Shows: 3:14
